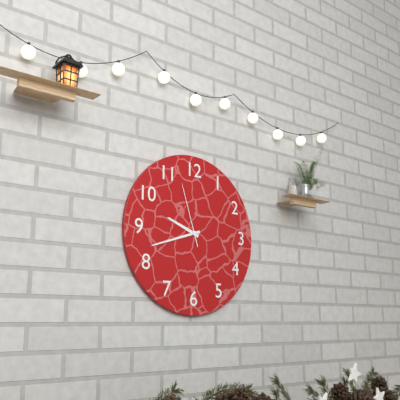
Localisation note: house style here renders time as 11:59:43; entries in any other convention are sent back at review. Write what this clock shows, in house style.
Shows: 9:42:57
